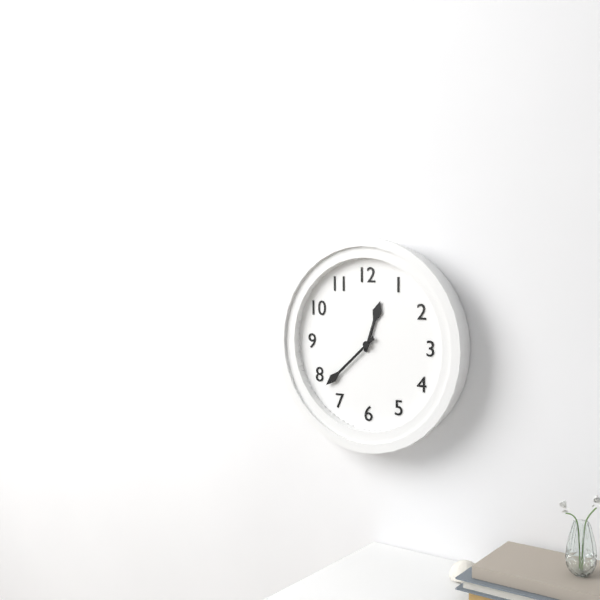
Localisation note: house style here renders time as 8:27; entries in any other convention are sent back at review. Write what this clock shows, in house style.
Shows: 12:38
